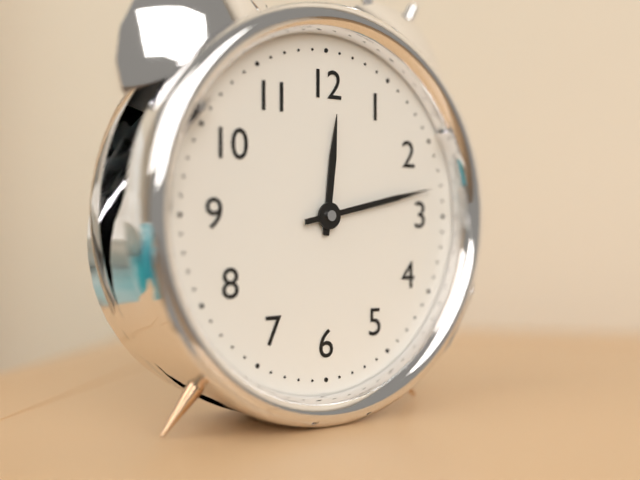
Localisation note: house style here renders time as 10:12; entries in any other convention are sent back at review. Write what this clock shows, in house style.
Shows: 12:13
